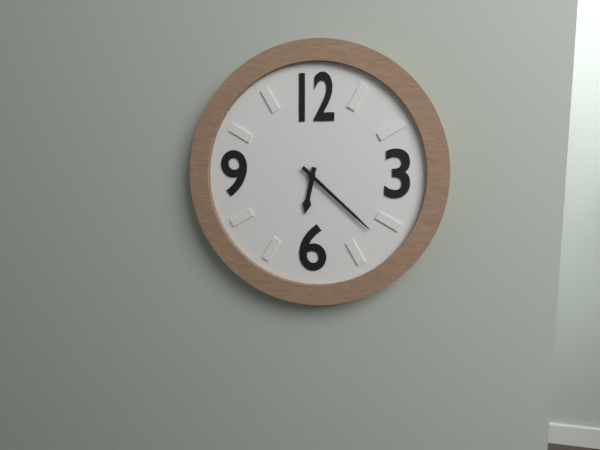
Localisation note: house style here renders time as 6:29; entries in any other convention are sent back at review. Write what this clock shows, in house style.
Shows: 6:22
